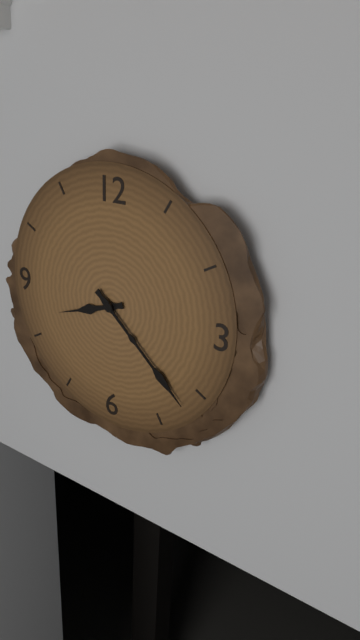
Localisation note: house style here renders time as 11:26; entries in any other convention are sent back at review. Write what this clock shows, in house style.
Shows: 8:22
